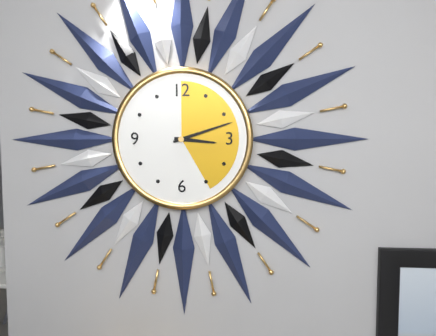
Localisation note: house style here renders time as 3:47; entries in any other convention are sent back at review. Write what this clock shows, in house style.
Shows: 3:12
